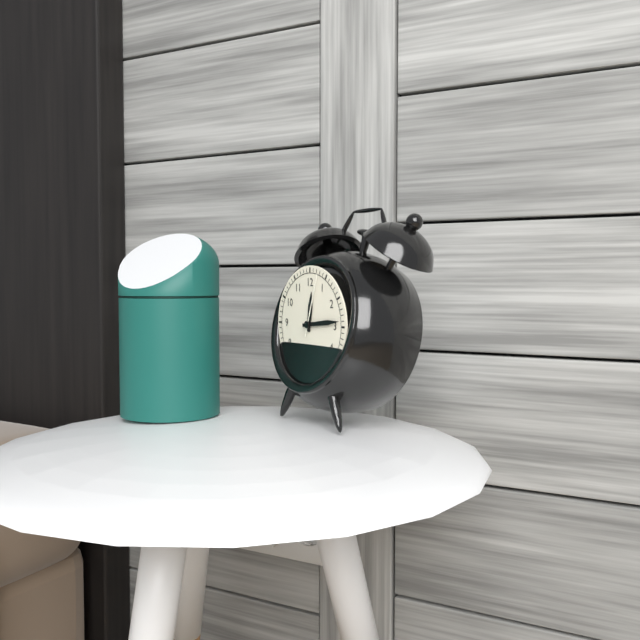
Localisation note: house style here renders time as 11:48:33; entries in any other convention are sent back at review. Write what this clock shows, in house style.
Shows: 12:14:03
